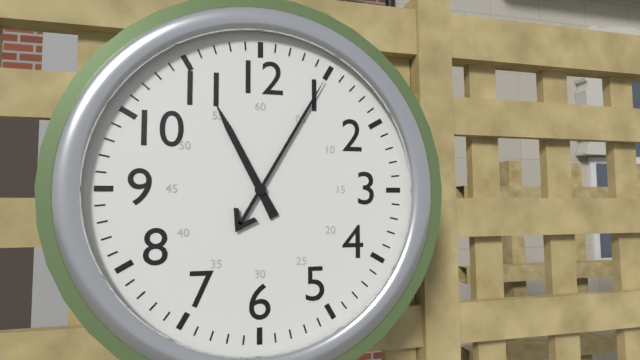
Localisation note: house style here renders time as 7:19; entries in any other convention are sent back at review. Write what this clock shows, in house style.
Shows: 11:05
